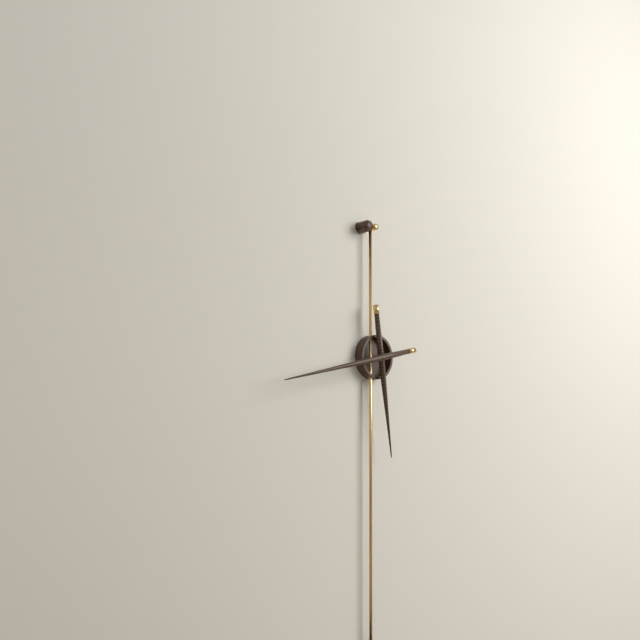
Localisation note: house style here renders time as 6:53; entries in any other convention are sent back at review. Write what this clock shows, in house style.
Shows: 5:43
